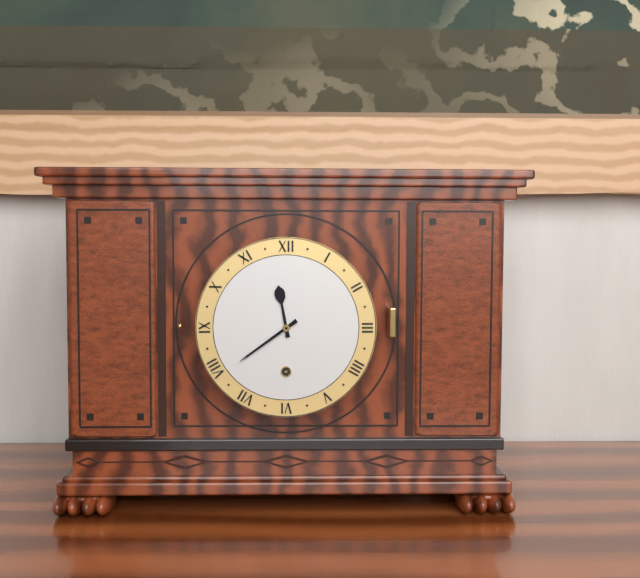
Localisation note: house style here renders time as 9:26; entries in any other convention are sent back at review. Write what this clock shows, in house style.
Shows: 11:39
